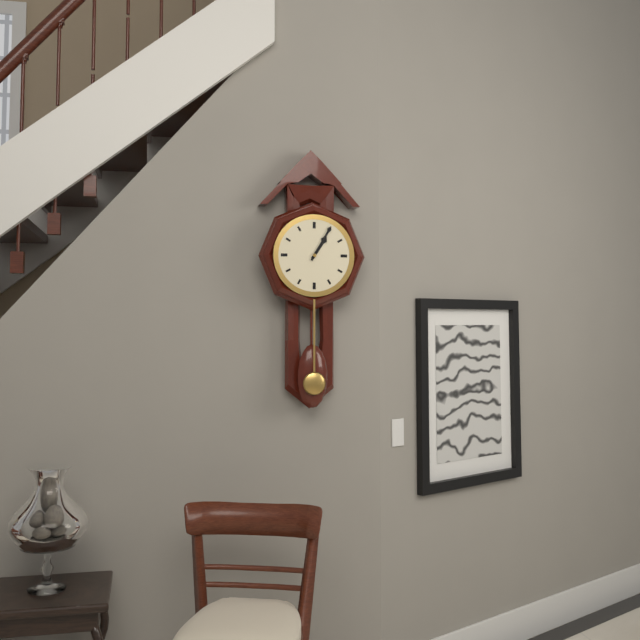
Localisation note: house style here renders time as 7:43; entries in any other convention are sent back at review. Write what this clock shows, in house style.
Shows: 1:05
